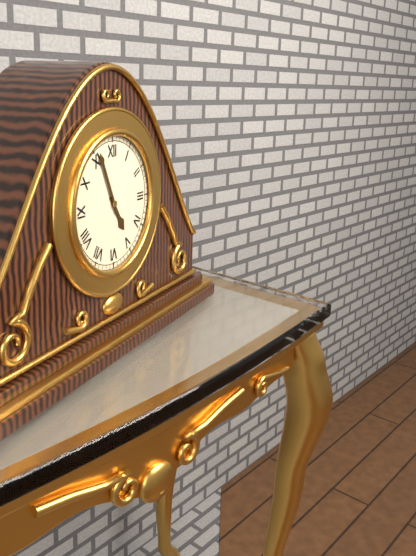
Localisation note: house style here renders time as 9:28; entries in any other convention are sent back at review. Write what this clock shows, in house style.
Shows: 4:56
